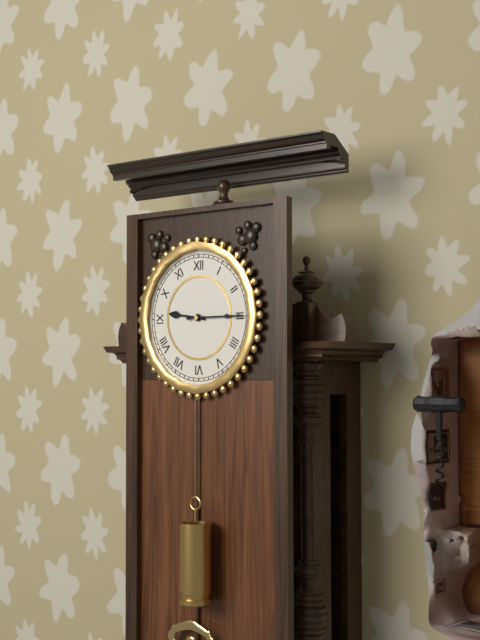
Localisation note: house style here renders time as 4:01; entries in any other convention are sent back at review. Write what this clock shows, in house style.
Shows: 9:15
